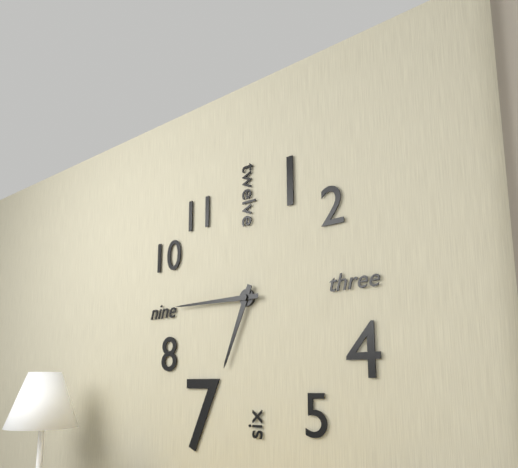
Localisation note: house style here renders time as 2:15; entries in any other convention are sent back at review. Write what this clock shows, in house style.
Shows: 6:45
